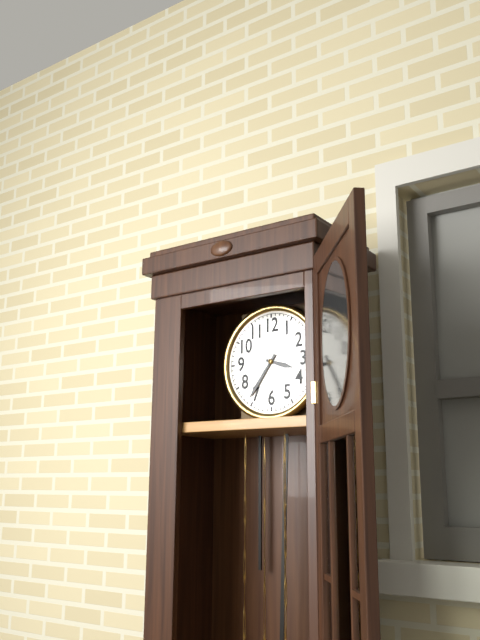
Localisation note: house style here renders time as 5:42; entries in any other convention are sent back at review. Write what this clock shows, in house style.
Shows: 3:36
